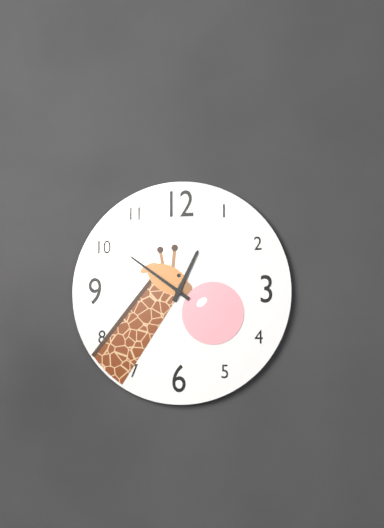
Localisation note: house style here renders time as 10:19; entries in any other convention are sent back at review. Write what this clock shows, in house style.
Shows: 12:51
